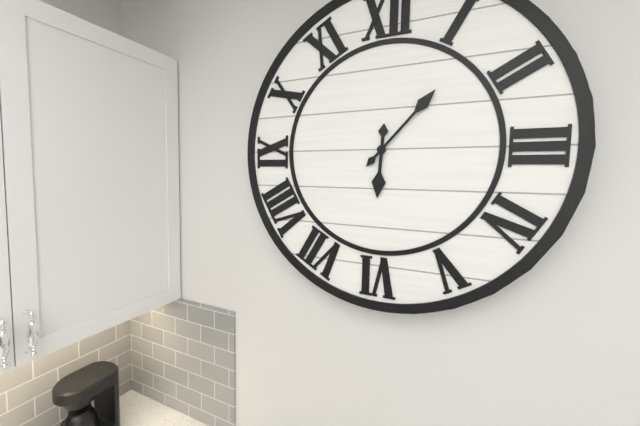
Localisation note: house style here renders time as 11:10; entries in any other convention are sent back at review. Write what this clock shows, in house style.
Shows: 6:07
